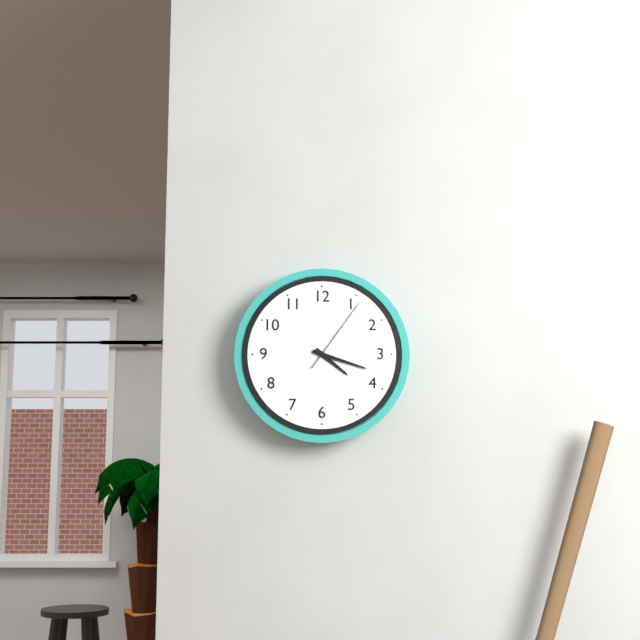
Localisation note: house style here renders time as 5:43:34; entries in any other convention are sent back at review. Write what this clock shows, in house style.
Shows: 4:18:06
